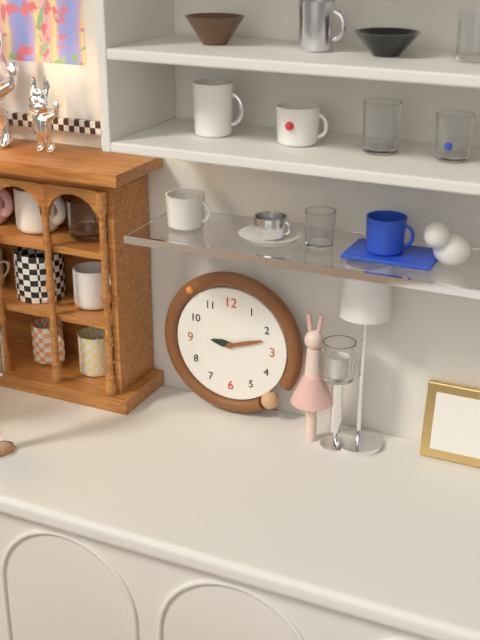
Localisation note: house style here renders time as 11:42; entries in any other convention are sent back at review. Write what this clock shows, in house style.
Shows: 9:12
